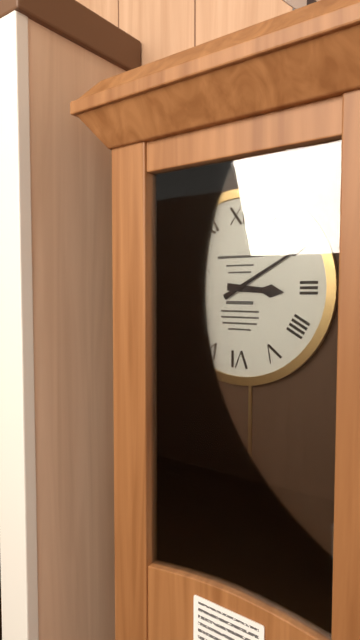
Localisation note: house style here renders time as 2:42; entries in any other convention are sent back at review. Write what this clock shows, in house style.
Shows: 3:10
